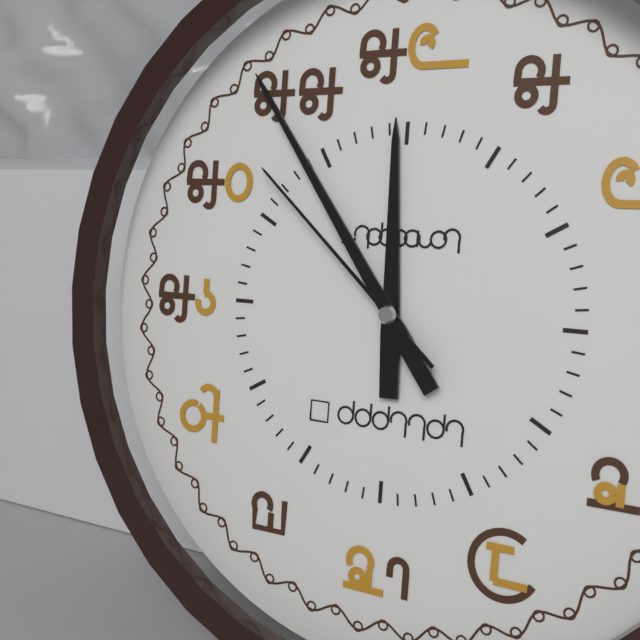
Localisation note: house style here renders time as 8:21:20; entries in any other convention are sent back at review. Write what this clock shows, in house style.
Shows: 11:54:52
